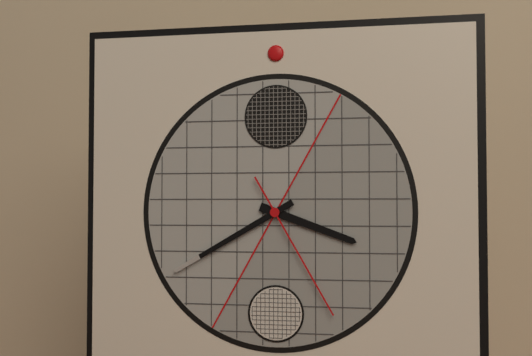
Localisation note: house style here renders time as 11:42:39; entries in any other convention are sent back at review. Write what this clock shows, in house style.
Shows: 3:40:25
